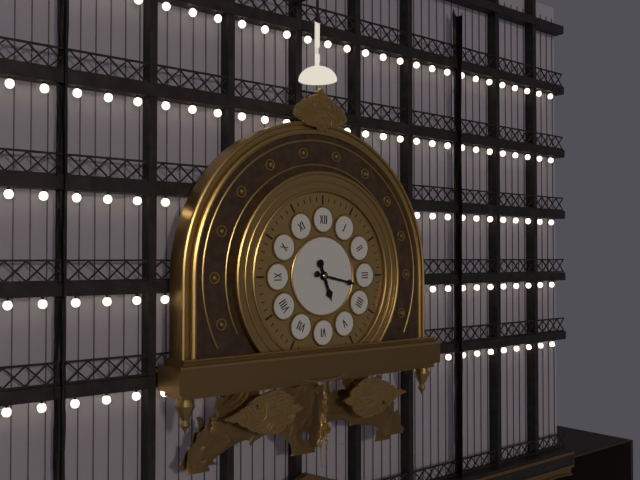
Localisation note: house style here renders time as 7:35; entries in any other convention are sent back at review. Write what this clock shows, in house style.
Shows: 5:17
